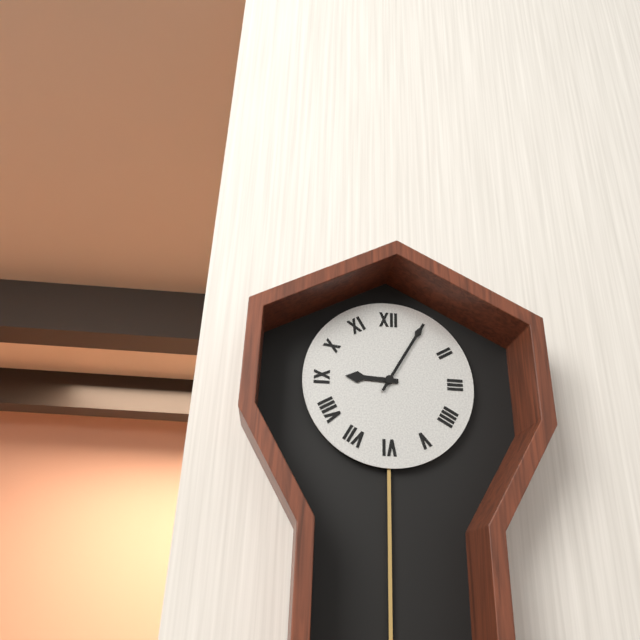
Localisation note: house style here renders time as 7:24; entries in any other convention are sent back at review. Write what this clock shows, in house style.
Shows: 9:05
